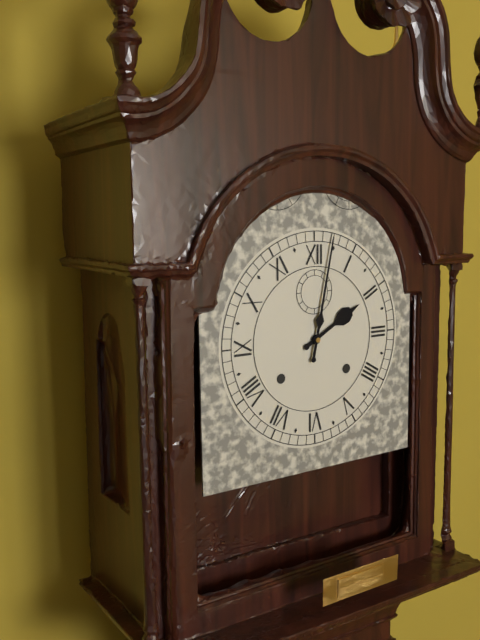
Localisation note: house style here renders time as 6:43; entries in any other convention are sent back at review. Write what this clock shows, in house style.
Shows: 2:02
